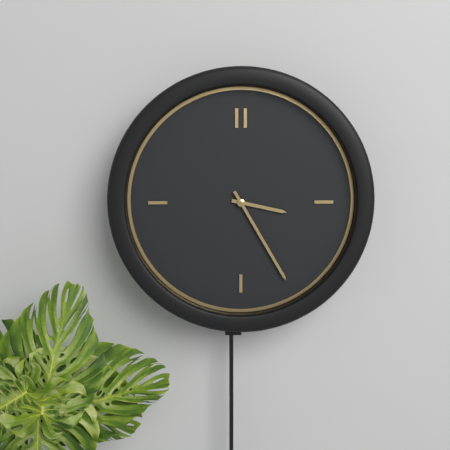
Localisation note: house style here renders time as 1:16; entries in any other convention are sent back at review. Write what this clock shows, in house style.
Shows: 3:25
